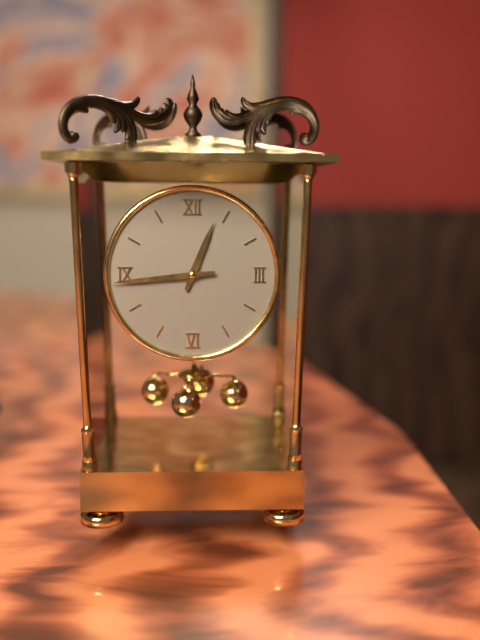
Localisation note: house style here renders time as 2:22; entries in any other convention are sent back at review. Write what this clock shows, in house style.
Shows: 12:44
